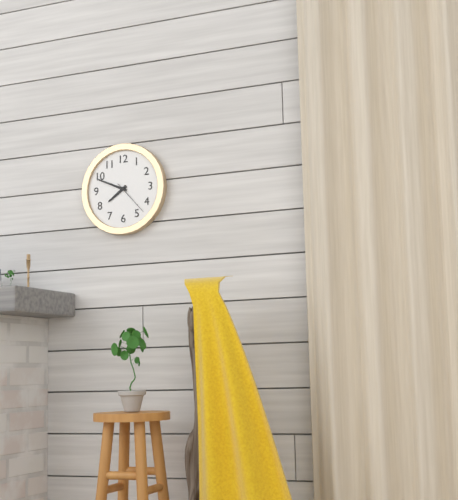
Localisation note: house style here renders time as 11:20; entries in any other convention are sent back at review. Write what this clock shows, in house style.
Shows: 7:49
